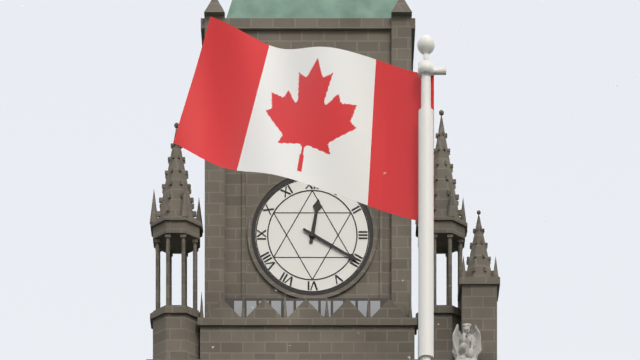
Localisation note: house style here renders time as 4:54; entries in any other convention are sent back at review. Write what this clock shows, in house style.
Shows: 12:20
